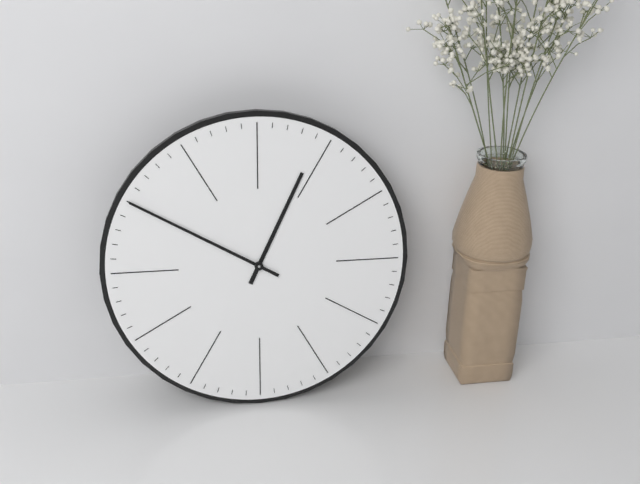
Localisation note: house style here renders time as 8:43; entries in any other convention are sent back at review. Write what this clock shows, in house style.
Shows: 12:50
